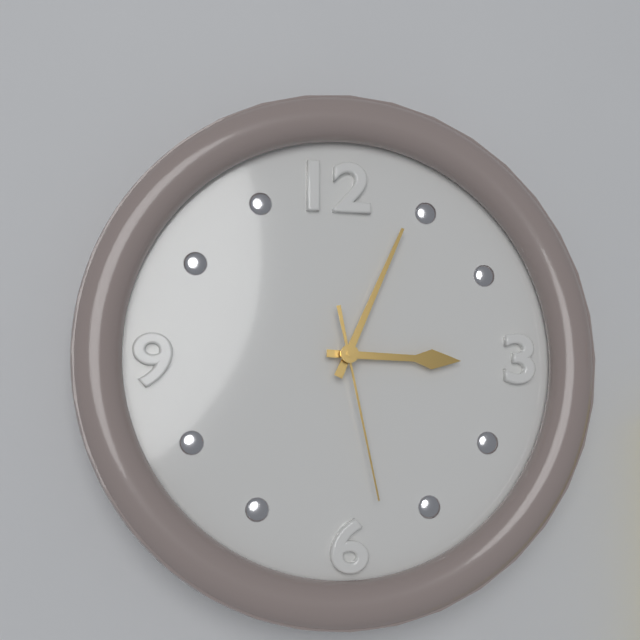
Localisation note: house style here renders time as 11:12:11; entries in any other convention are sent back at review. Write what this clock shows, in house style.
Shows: 3:04:28
